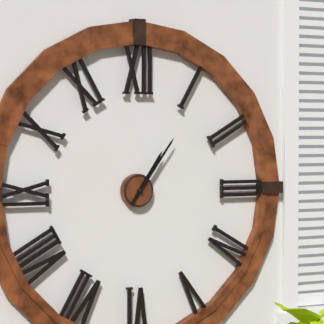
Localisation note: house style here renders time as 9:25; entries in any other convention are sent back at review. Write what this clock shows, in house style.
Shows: 1:06
